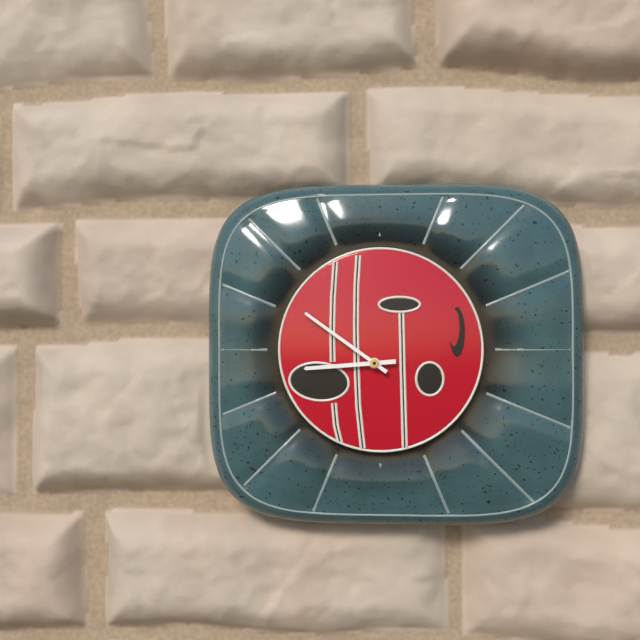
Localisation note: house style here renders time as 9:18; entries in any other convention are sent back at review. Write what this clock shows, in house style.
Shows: 8:51
